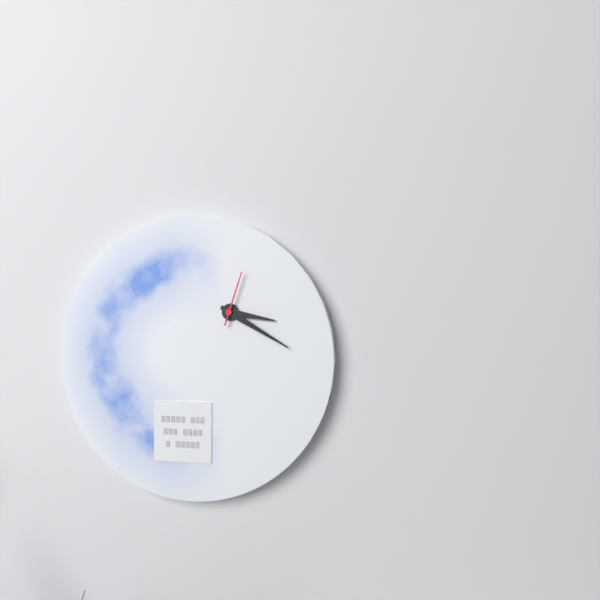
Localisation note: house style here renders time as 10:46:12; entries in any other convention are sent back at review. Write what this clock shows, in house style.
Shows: 3:20:03
